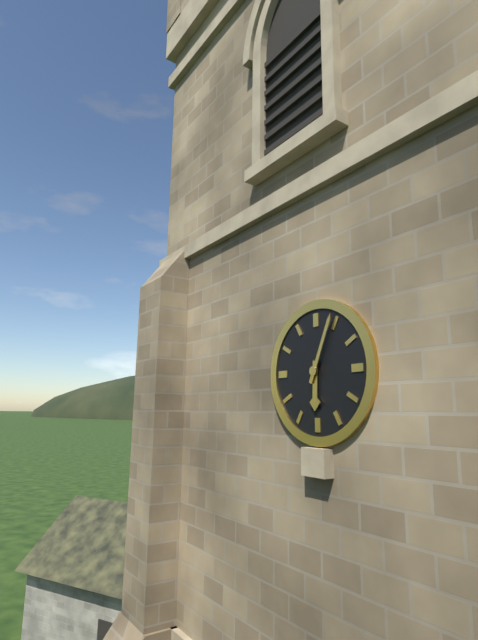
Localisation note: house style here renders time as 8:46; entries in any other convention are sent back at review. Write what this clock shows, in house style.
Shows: 6:04
